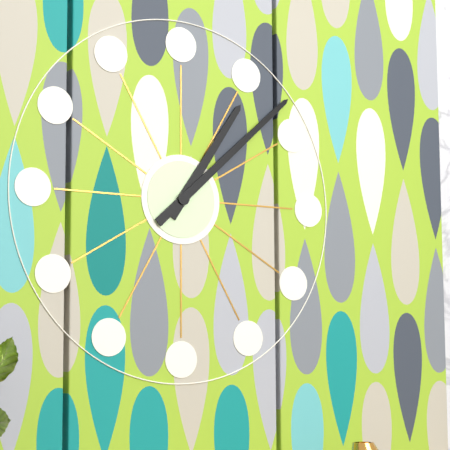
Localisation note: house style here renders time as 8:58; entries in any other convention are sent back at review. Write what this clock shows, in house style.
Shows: 1:08
